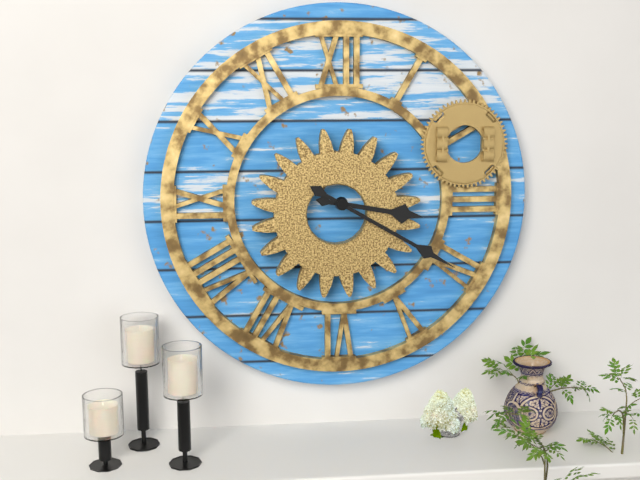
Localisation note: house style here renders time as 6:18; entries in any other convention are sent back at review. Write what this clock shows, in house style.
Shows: 3:20
